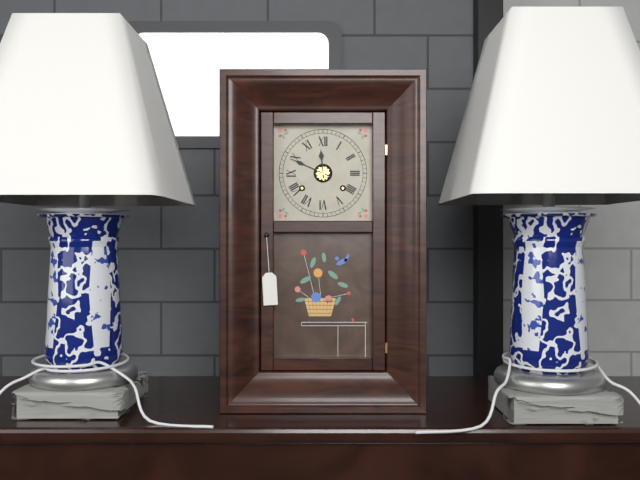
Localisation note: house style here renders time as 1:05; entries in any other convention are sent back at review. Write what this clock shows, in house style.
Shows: 11:49
